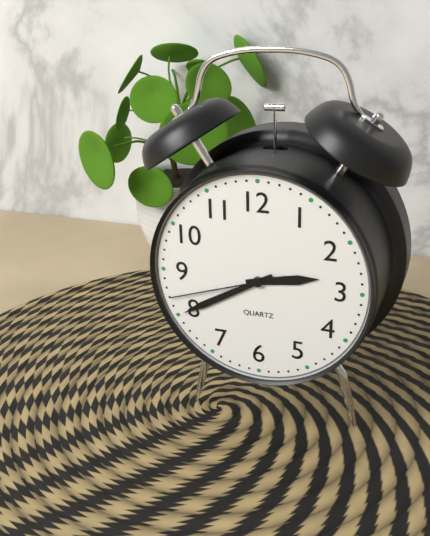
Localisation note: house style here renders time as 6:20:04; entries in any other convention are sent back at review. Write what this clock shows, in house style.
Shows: 2:40:42
